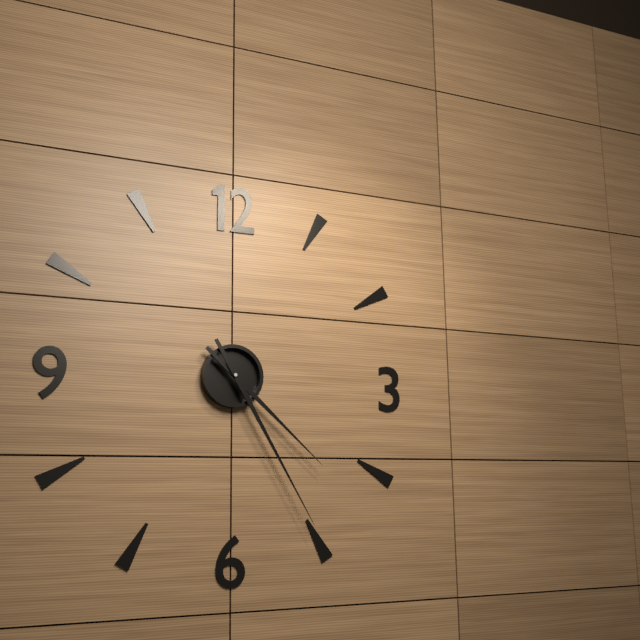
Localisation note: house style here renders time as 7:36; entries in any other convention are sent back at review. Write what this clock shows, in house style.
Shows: 4:25
